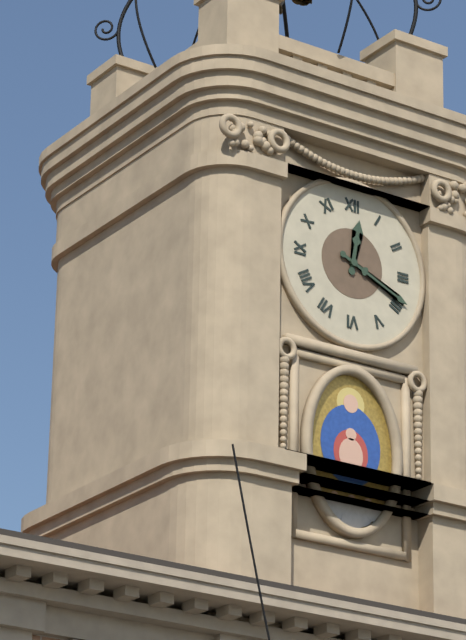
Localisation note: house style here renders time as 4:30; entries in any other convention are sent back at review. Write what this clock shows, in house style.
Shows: 12:19
